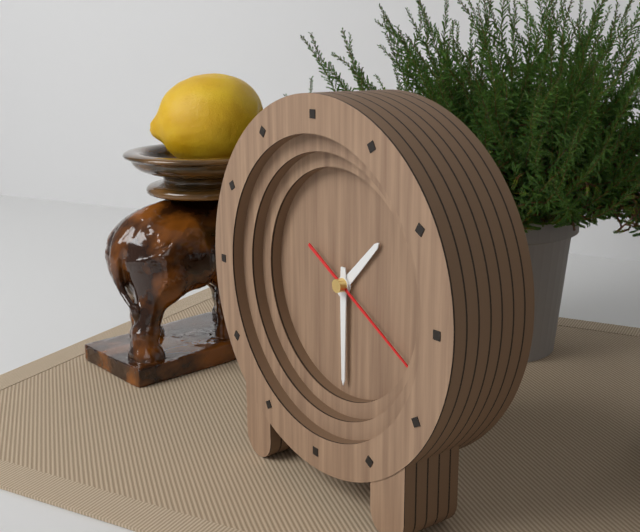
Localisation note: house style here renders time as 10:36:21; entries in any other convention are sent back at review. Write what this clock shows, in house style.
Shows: 1:30:20
